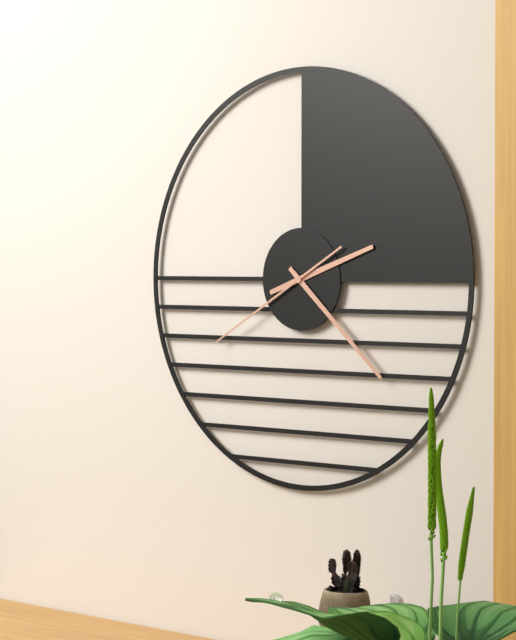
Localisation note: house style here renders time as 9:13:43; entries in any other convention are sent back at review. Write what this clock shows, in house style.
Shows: 2:22:40
